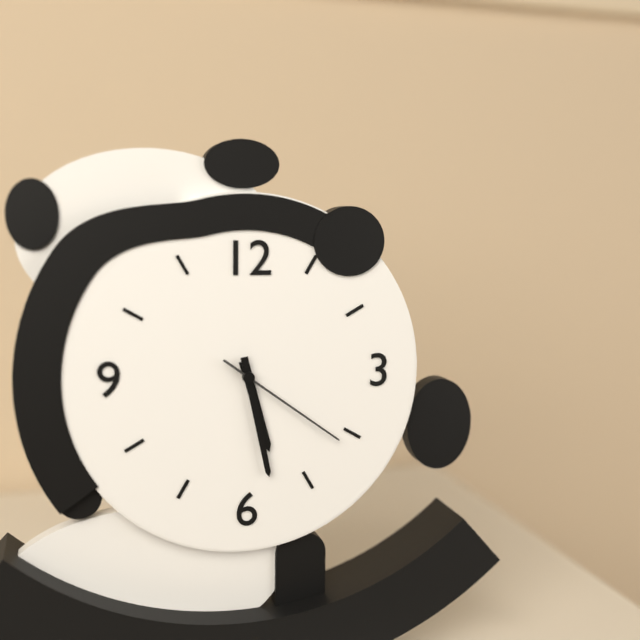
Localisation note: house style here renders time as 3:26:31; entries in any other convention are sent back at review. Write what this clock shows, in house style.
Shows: 5:28:21
